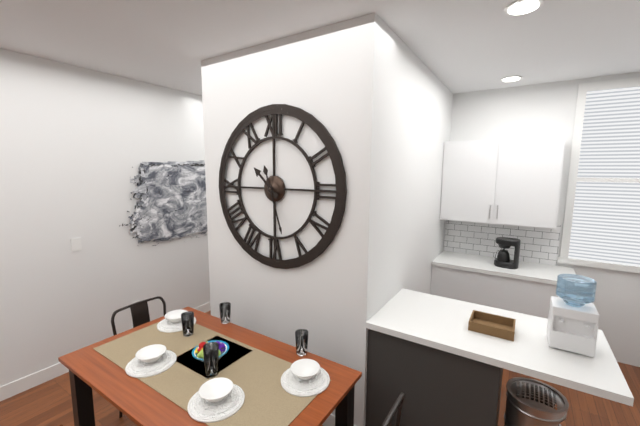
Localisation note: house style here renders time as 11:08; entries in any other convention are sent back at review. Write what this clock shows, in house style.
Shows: 10:27
